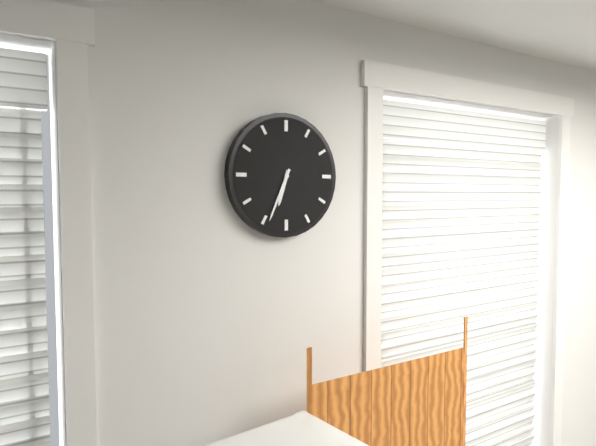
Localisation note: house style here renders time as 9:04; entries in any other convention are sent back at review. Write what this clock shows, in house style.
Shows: 6:34
